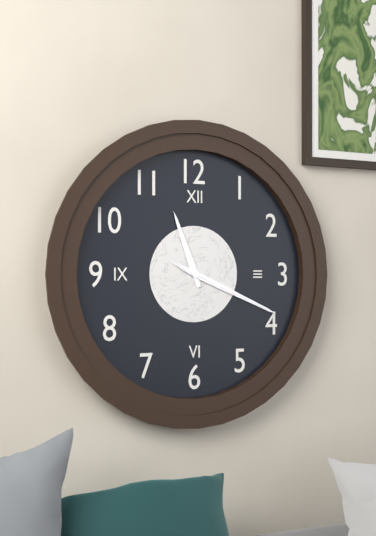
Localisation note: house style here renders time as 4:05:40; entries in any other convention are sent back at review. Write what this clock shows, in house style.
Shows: 11:19:19
